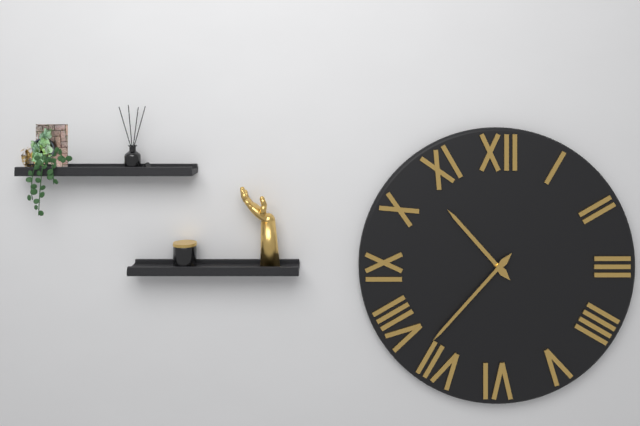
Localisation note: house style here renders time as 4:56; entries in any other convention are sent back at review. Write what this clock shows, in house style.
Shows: 10:37
